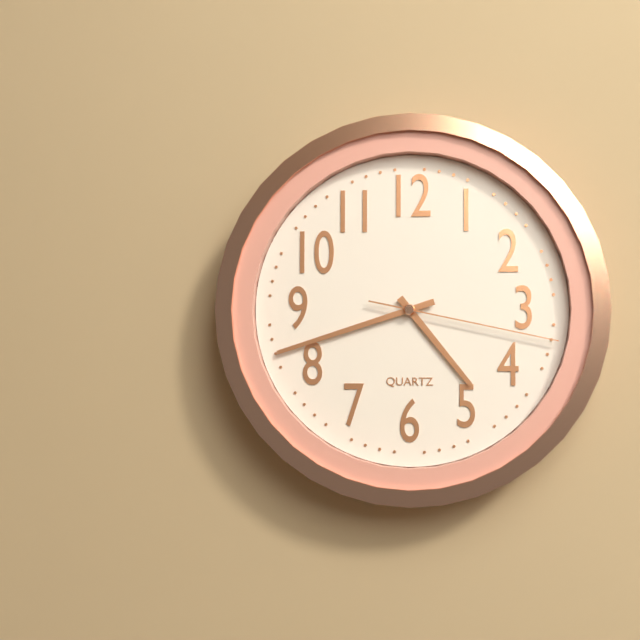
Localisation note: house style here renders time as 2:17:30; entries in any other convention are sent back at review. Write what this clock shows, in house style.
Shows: 4:42:17
